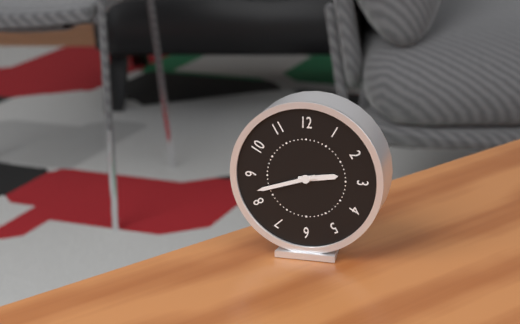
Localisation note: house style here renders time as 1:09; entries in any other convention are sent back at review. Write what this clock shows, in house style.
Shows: 2:42
